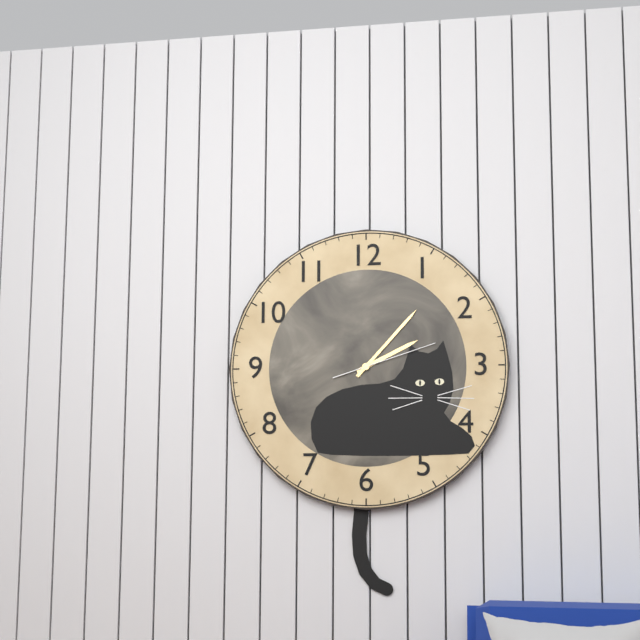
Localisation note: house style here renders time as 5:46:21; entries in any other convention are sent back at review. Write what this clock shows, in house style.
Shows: 2:07:12
